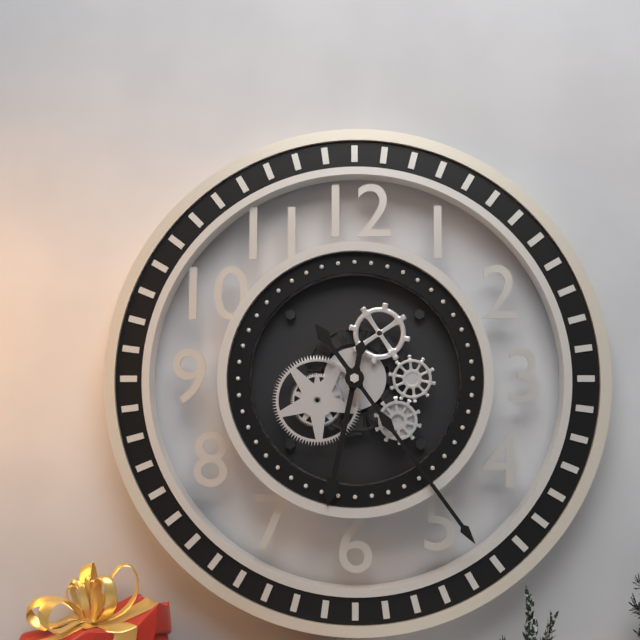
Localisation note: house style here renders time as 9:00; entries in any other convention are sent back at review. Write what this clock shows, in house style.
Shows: 6:24
